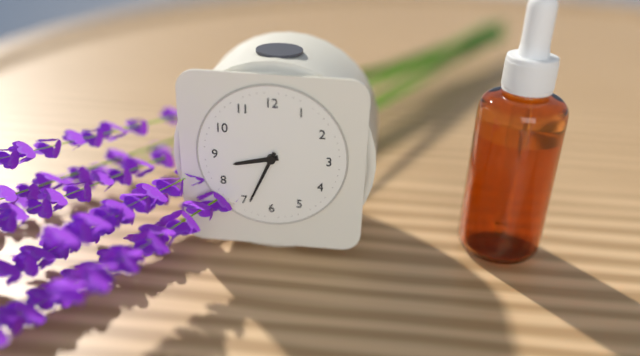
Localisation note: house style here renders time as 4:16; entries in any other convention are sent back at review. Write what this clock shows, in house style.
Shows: 8:34
